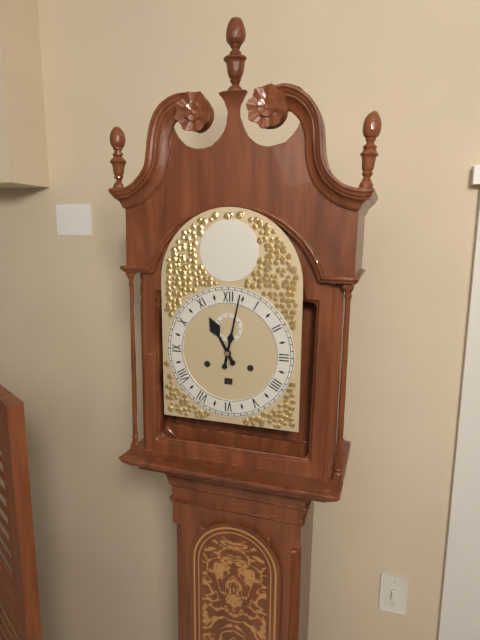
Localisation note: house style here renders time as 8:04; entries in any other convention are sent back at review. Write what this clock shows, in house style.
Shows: 11:02
